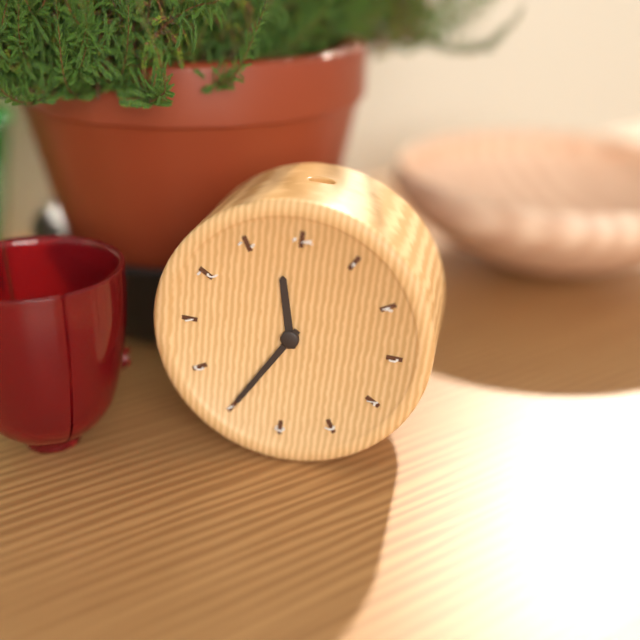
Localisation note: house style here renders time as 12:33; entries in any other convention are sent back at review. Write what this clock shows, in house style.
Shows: 11:35
